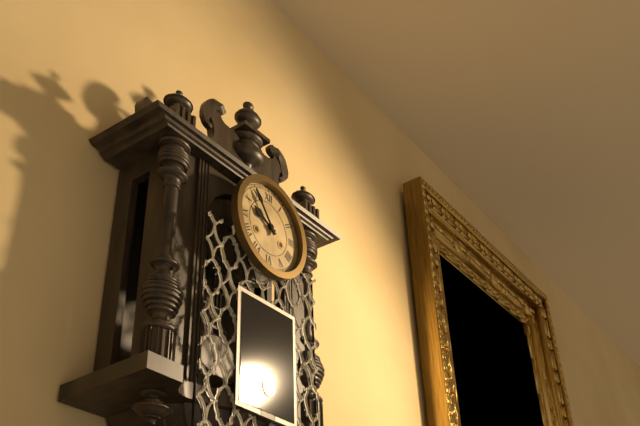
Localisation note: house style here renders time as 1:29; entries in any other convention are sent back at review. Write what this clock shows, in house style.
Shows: 9:54
